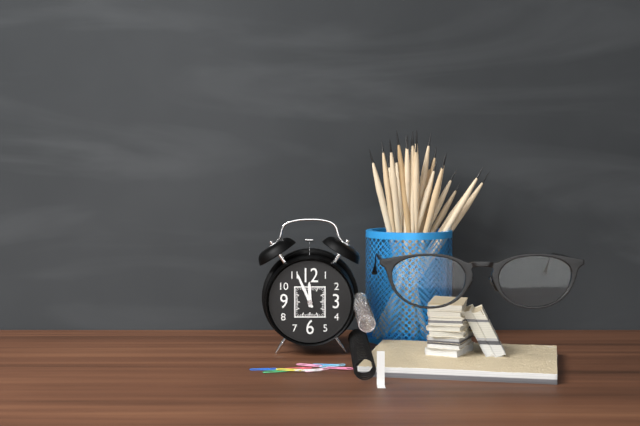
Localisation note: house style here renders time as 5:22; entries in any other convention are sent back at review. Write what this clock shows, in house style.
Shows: 11:56
